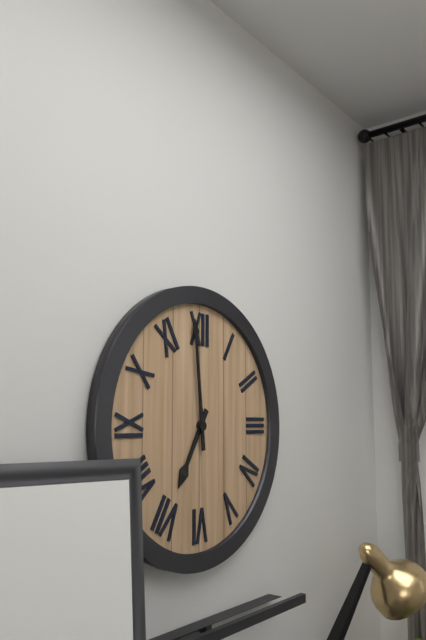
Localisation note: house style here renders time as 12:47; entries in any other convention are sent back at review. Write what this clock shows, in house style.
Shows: 6:59
